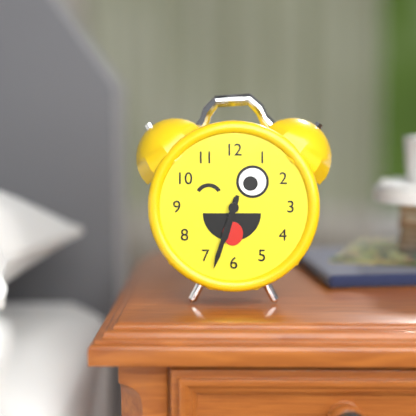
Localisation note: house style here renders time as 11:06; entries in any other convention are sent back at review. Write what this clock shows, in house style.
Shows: 6:33
